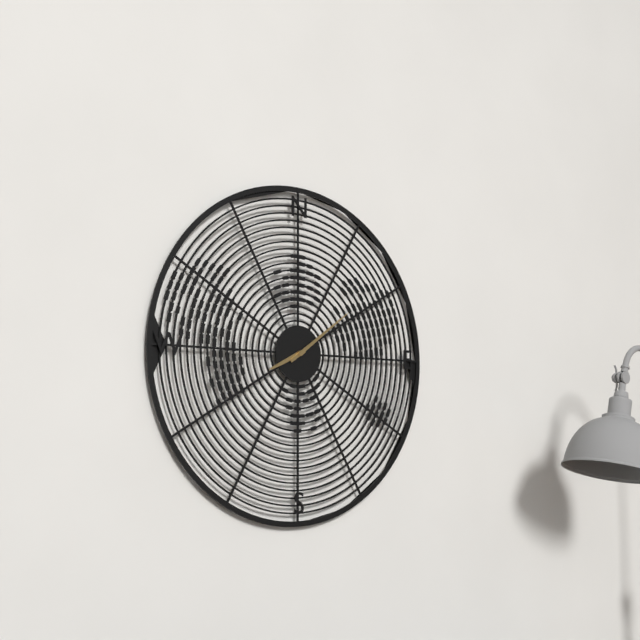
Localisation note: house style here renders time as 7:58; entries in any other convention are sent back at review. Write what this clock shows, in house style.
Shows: 8:09
